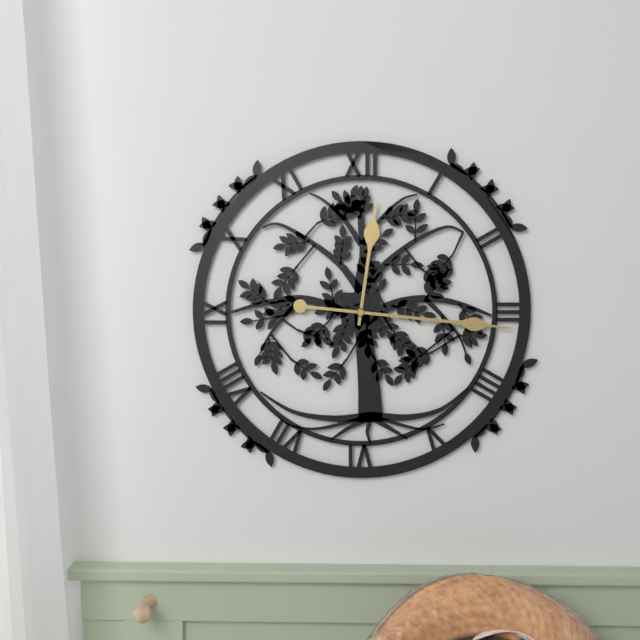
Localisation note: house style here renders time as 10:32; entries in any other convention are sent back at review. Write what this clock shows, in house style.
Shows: 12:16
